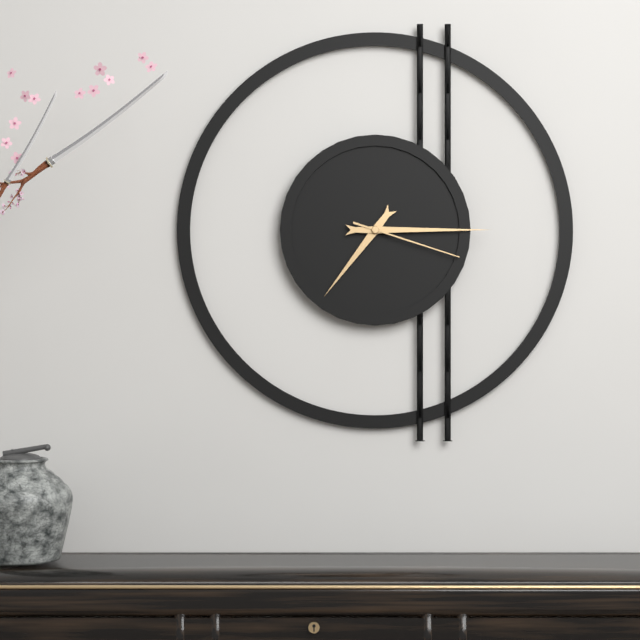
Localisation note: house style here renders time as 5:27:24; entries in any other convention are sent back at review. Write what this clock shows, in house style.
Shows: 7:15:18
